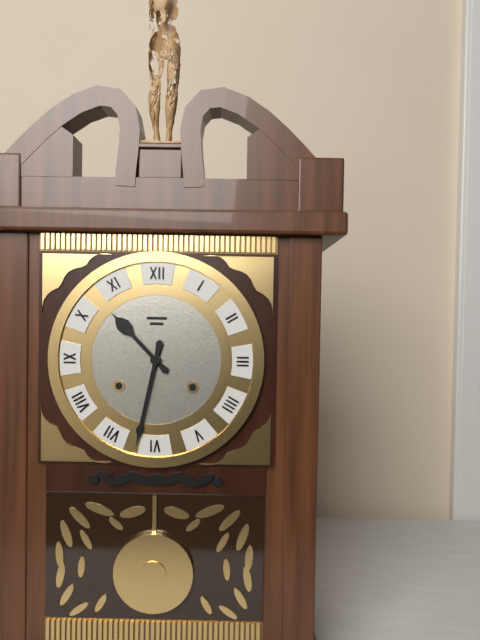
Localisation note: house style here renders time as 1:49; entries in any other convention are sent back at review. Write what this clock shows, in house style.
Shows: 10:32
